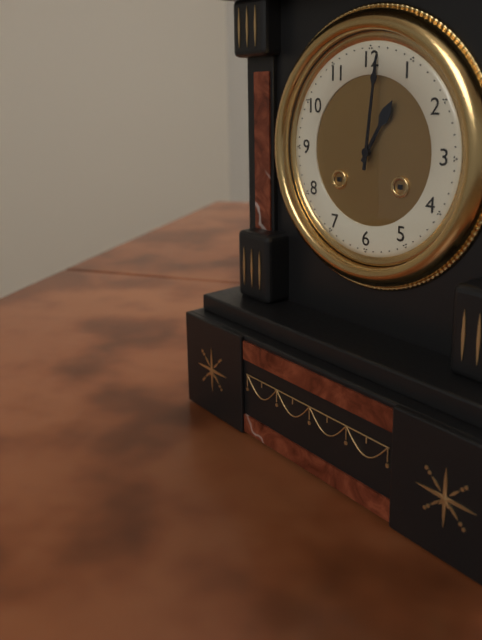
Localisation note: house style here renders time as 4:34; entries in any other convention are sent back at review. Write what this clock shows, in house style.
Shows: 1:01
